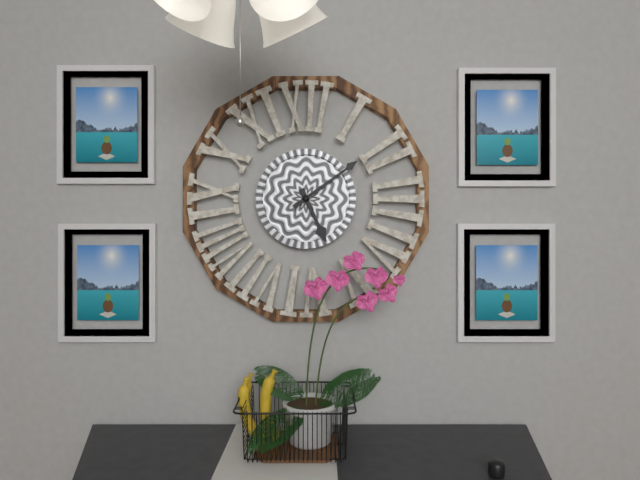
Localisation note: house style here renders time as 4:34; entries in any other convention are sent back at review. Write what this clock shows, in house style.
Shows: 5:09
